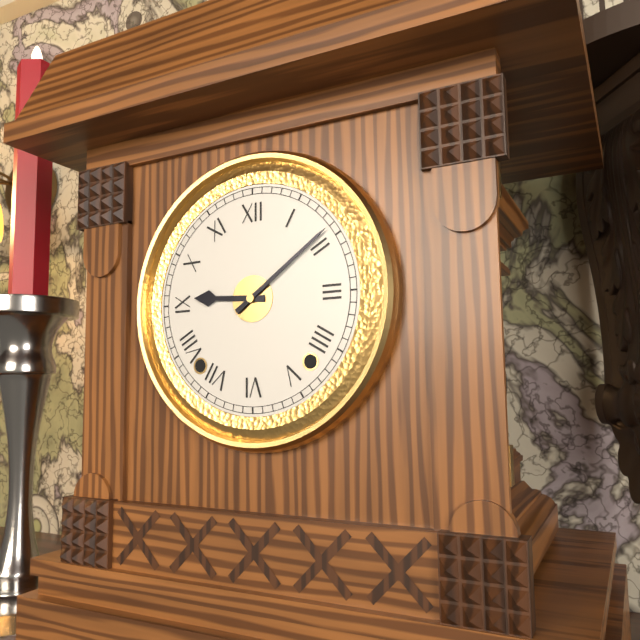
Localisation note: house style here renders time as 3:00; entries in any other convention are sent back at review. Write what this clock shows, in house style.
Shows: 9:09
